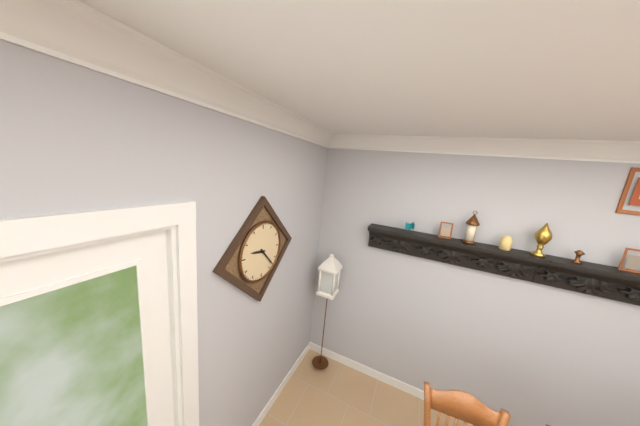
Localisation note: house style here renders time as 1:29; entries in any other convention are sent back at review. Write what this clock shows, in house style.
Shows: 9:23
